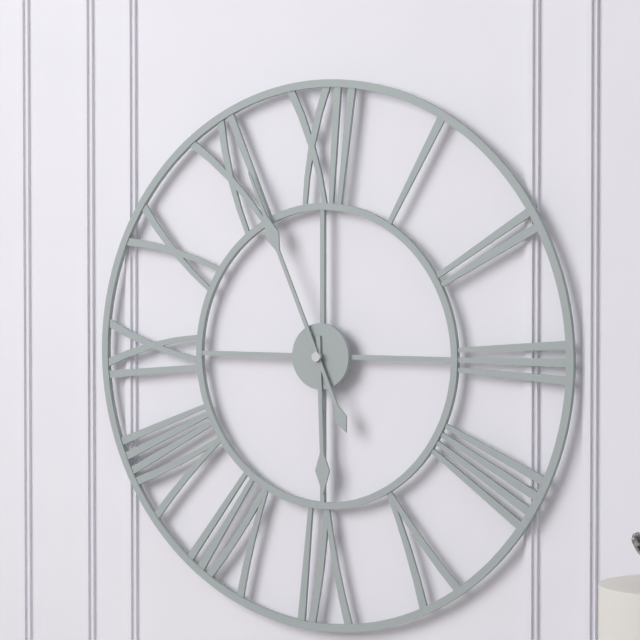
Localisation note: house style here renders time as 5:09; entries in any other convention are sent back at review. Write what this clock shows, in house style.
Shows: 5:56
